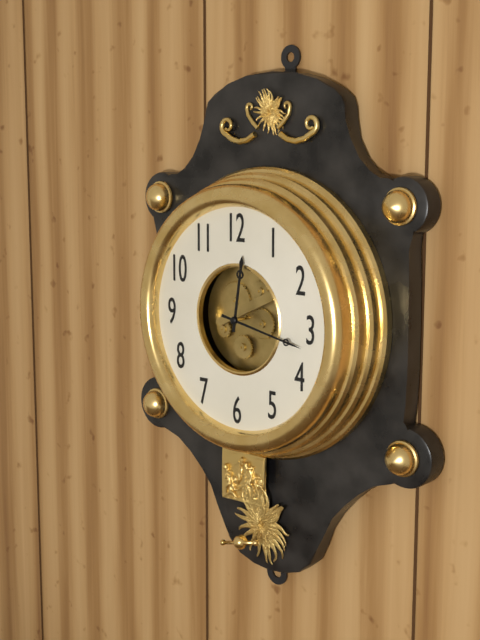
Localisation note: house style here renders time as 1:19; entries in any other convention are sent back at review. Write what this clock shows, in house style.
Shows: 12:17
